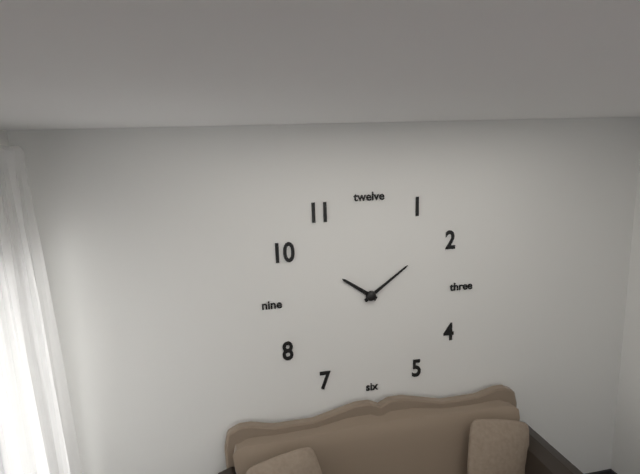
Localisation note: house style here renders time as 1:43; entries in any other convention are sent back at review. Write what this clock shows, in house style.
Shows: 10:09
